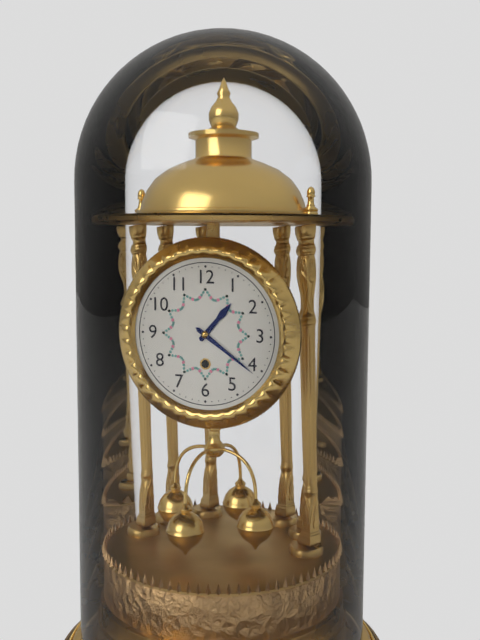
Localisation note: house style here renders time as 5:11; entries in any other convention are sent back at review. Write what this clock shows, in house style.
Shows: 1:21
